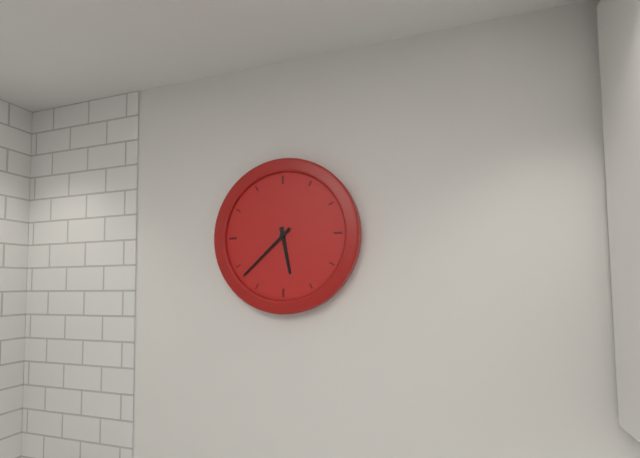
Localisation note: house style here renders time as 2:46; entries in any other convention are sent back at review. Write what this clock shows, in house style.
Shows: 5:38
